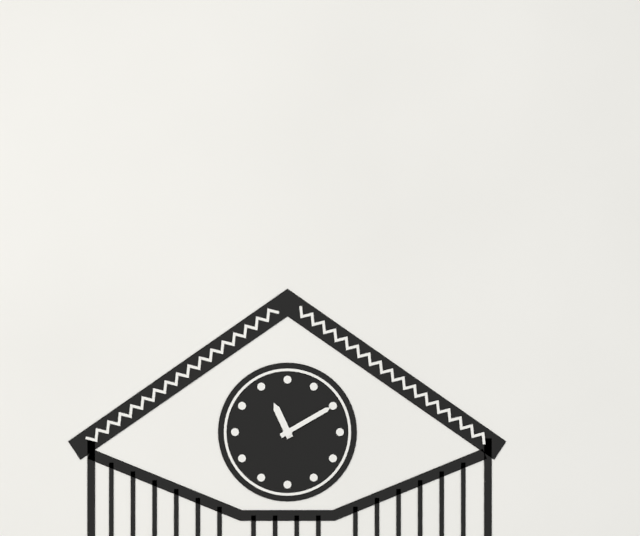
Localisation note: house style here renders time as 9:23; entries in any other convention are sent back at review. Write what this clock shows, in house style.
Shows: 11:10
